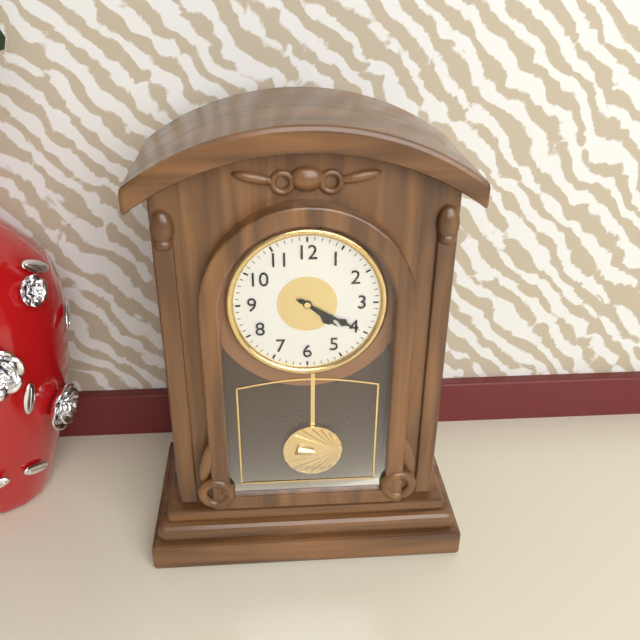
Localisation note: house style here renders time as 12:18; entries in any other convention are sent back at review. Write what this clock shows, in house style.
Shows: 4:20
